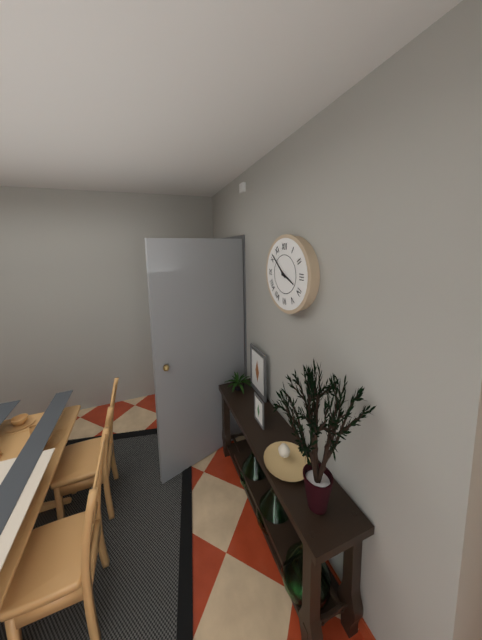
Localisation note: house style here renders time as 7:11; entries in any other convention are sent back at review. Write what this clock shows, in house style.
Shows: 3:52
